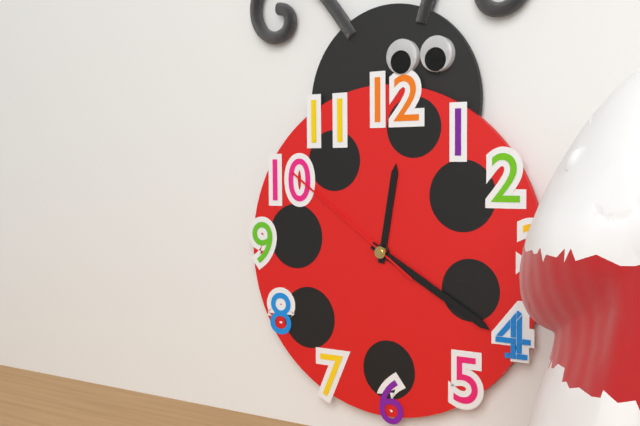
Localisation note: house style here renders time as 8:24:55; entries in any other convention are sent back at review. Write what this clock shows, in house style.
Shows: 12:20:51
